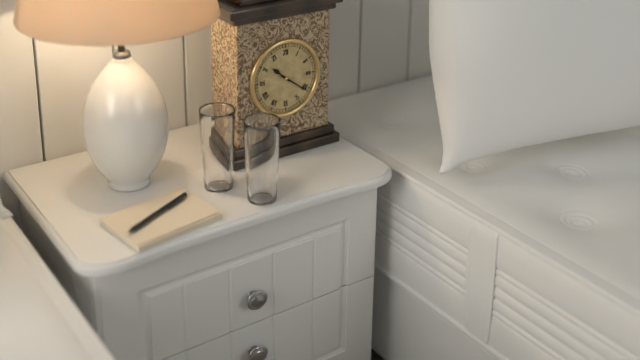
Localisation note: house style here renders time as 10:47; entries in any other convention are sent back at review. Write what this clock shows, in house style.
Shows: 10:21
